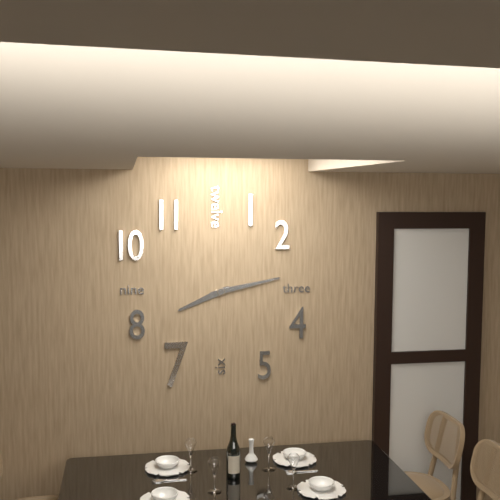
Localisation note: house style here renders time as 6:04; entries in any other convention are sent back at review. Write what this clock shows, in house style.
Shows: 8:13
